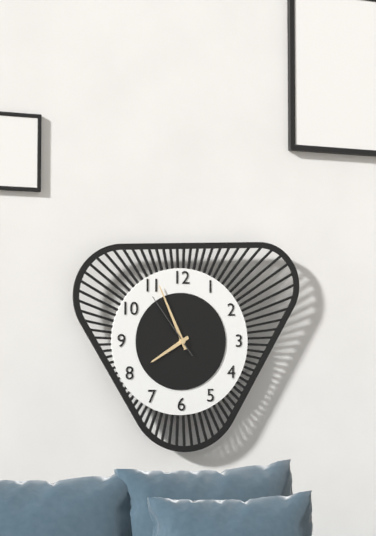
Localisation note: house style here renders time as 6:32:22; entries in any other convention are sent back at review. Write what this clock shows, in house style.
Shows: 7:56:54
